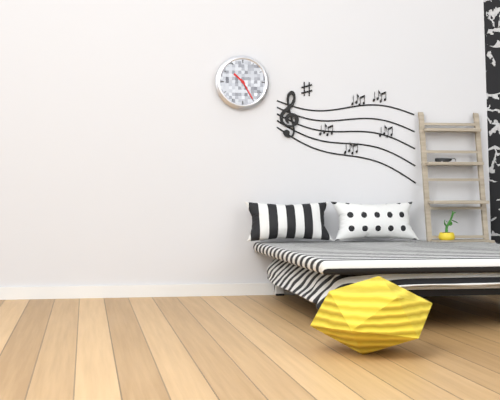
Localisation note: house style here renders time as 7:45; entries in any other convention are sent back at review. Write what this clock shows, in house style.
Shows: 10:25
